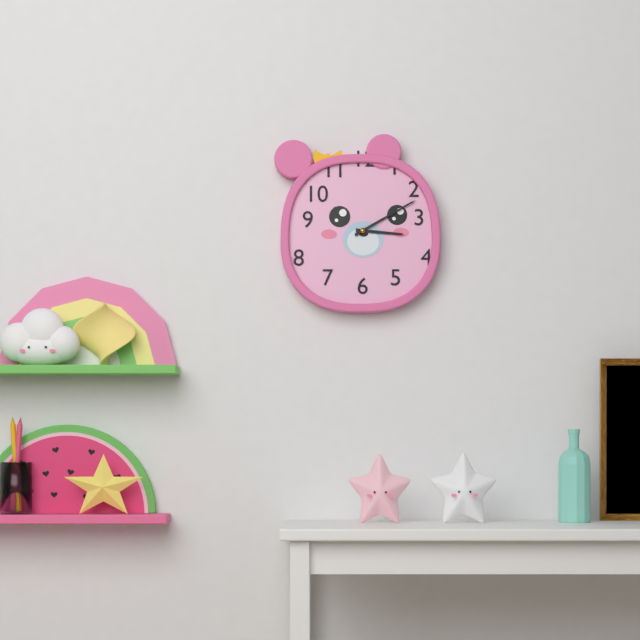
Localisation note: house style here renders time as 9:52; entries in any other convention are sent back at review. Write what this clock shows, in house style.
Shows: 3:10
